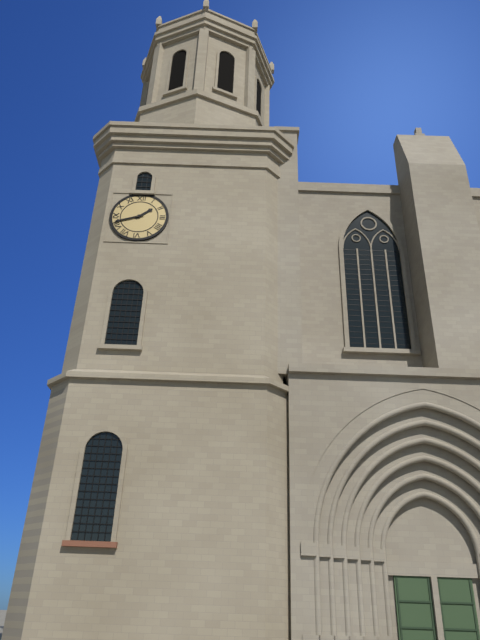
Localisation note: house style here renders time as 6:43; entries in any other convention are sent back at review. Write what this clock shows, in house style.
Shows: 1:42
